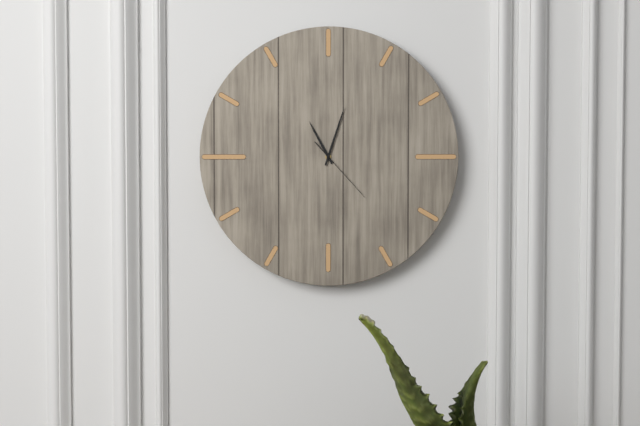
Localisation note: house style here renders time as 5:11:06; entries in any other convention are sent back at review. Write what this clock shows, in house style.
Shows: 11:03:23
